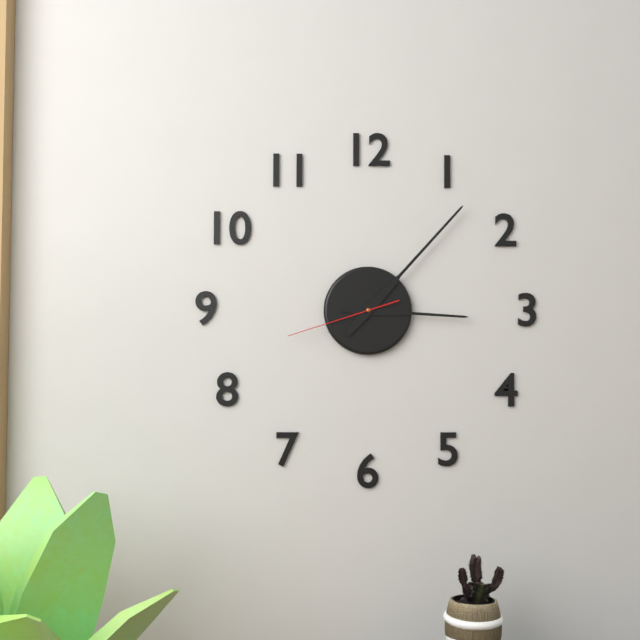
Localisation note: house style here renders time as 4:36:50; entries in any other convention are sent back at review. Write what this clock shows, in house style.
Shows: 3:07:42
